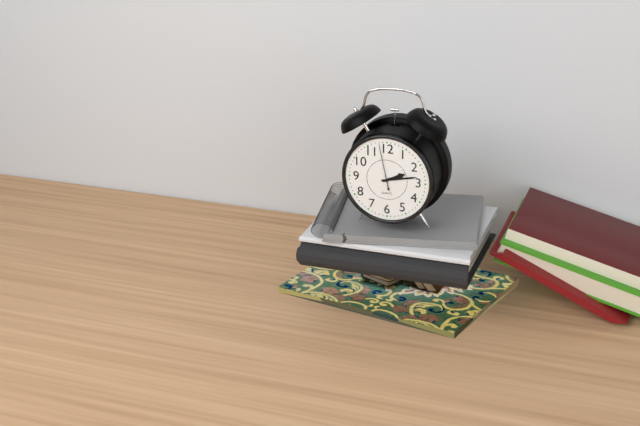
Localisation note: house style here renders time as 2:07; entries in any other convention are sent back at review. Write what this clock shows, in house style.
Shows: 2:13
